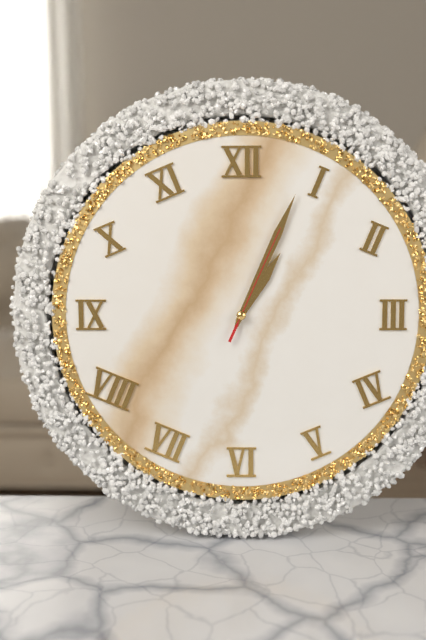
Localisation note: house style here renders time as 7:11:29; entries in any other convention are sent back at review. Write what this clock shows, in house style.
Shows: 1:04:04
